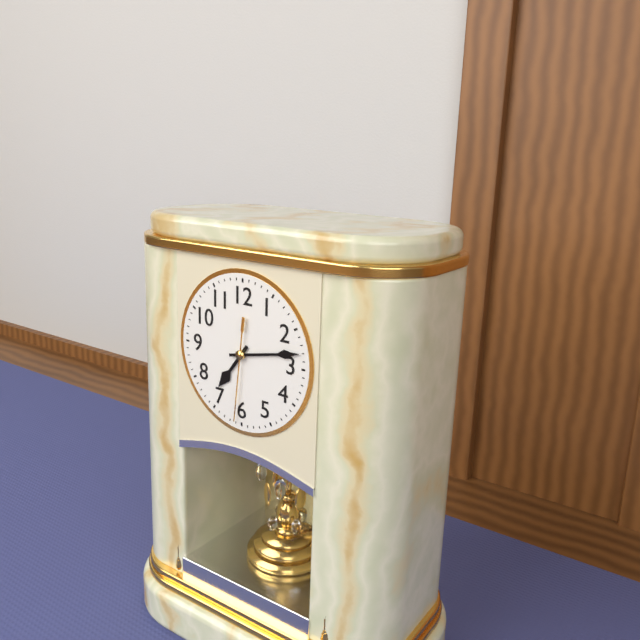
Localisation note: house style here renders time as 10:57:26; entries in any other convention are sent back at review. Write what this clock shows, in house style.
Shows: 7:13:31
